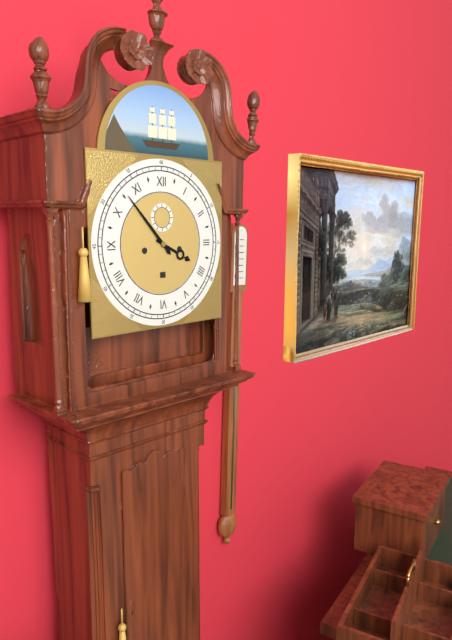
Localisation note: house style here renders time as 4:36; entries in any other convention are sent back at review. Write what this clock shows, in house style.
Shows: 3:53
